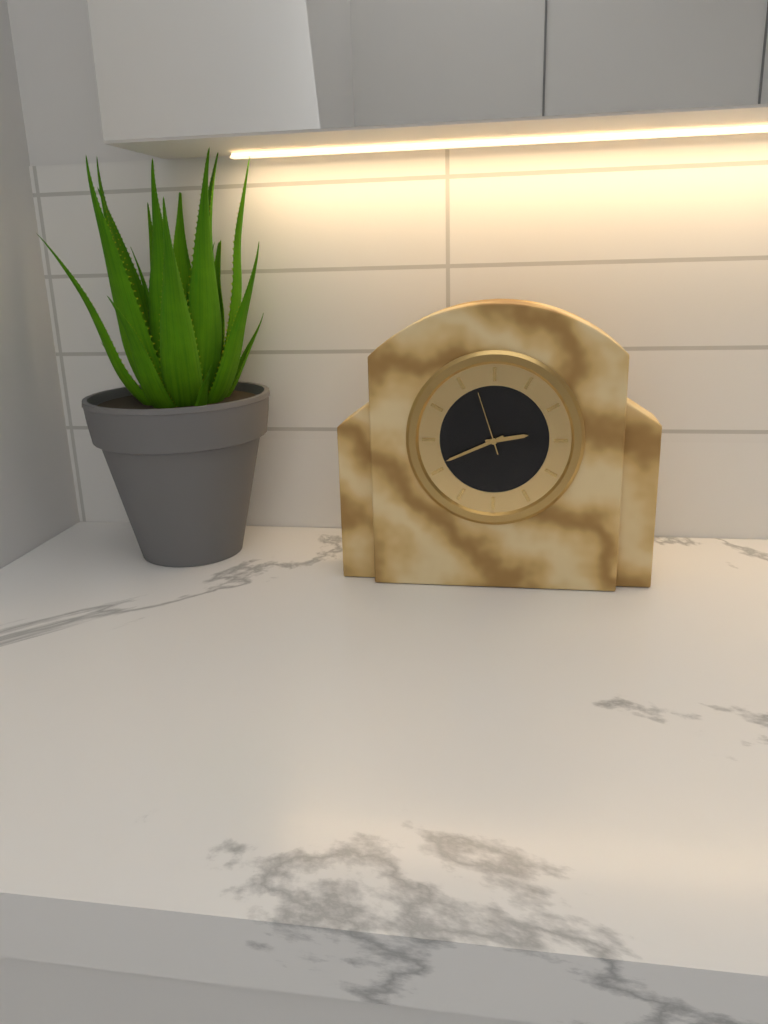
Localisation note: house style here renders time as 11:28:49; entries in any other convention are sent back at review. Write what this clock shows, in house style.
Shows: 2:41:57
